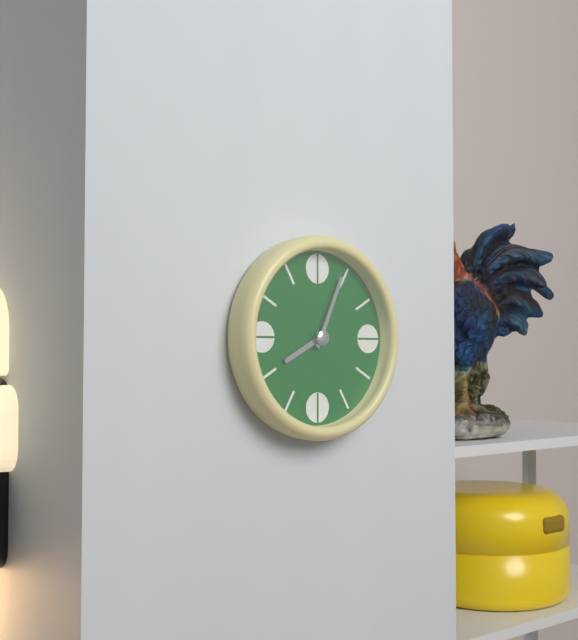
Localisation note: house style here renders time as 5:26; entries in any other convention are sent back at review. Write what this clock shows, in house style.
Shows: 8:04
